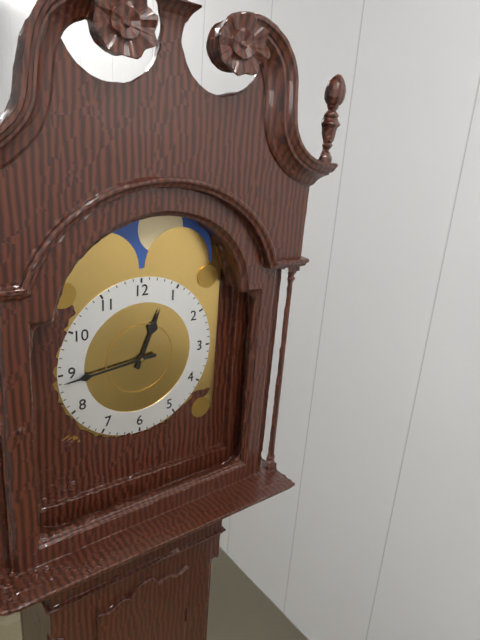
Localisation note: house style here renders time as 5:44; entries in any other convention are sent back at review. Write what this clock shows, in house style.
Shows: 12:44
